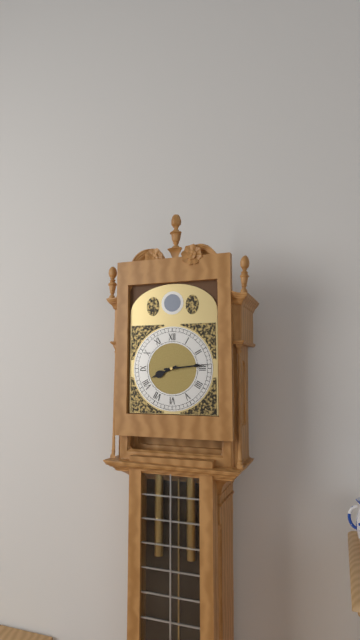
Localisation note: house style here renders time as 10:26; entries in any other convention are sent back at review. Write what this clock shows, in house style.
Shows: 8:14
